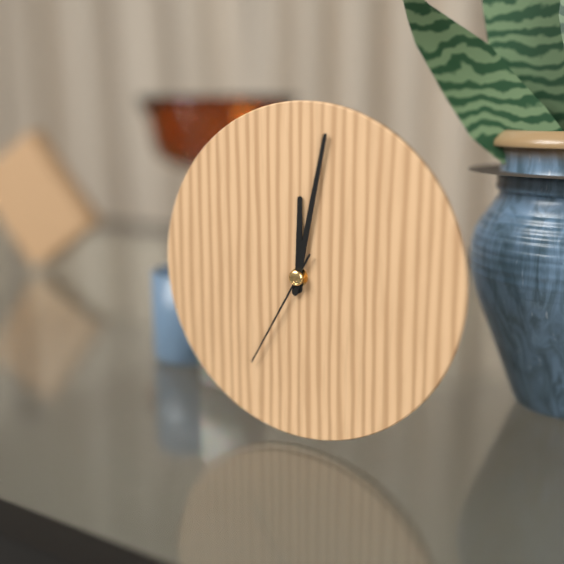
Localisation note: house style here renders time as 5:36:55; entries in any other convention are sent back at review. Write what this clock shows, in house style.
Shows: 12:02:35
